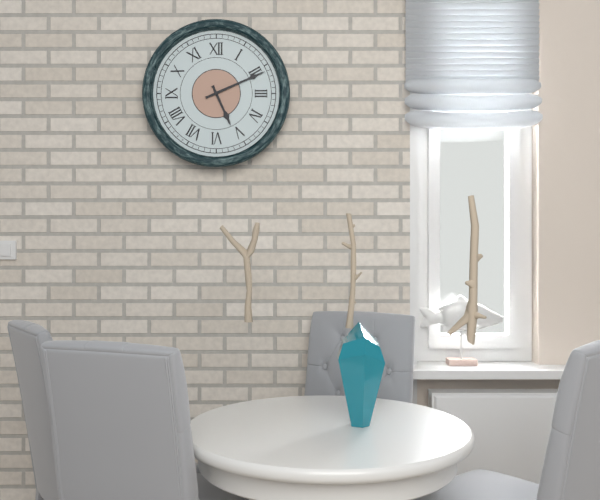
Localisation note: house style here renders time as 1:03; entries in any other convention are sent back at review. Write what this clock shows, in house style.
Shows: 5:11
